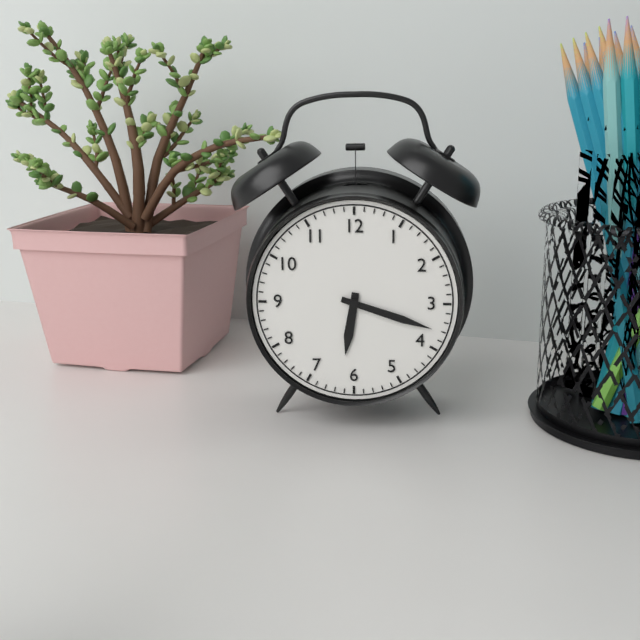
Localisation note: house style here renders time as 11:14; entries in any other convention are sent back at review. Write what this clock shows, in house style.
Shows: 6:18
